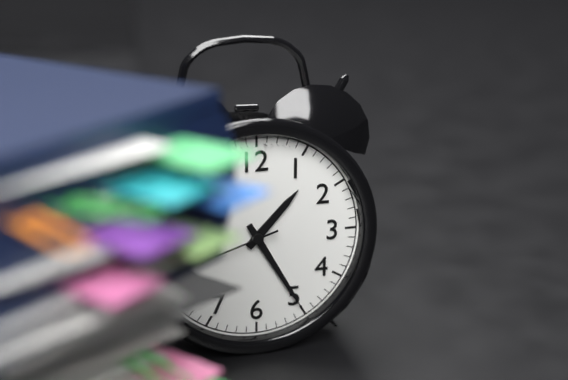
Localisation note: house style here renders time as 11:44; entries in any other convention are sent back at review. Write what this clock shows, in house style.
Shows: 1:25
